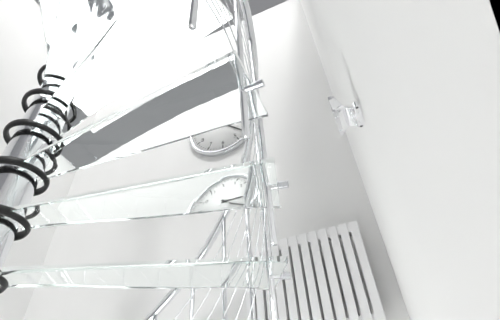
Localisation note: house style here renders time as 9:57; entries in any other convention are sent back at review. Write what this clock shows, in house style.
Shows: 3:22
